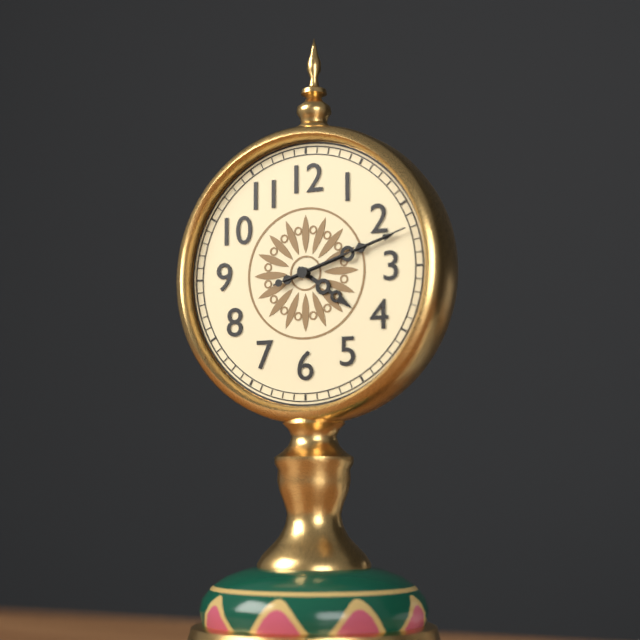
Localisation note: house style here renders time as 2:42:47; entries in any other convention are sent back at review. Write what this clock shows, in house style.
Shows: 4:12:12
